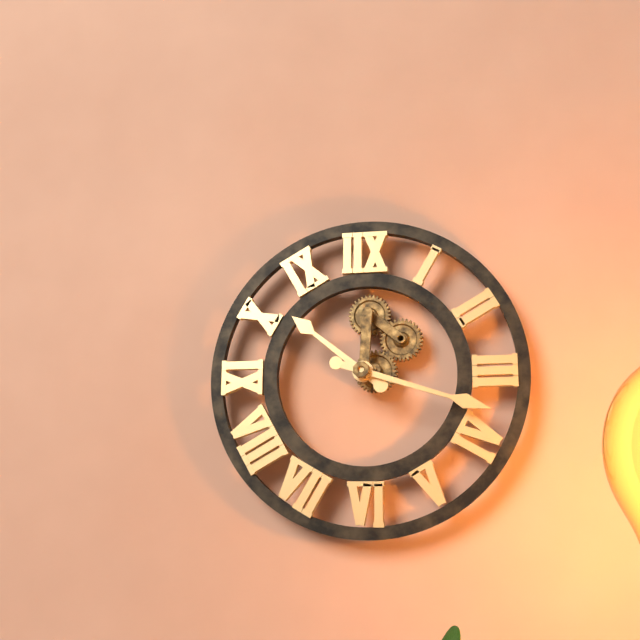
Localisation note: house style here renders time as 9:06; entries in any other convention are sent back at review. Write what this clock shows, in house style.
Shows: 10:18
